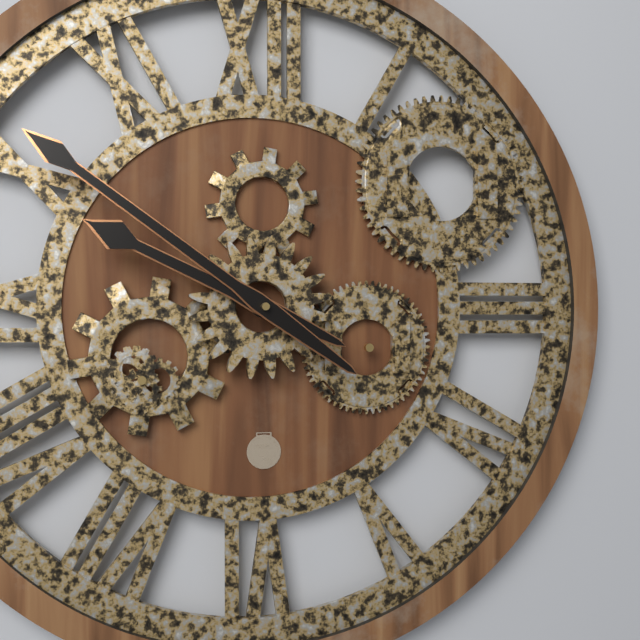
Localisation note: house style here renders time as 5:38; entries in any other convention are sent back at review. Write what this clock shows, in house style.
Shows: 9:51
